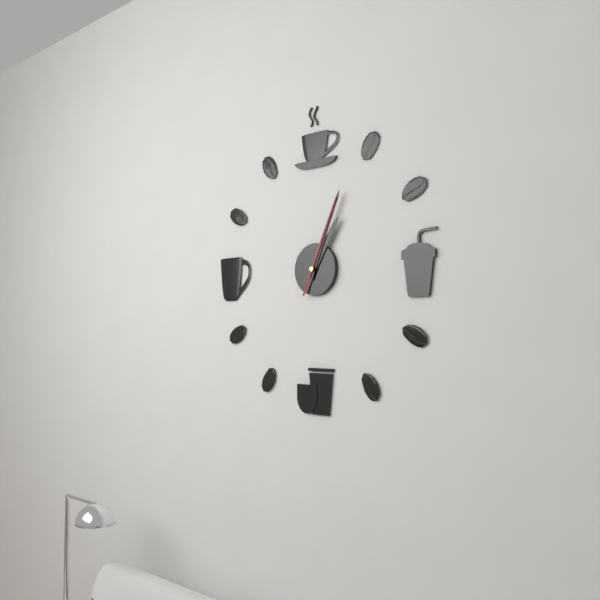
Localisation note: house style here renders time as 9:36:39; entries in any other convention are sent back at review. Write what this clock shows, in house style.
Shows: 1:04:04
